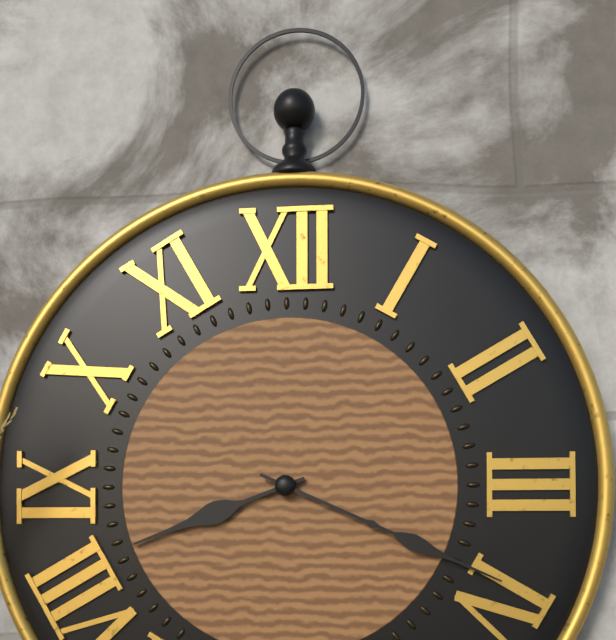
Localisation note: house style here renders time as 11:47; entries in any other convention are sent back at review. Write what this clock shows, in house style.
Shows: 8:19
